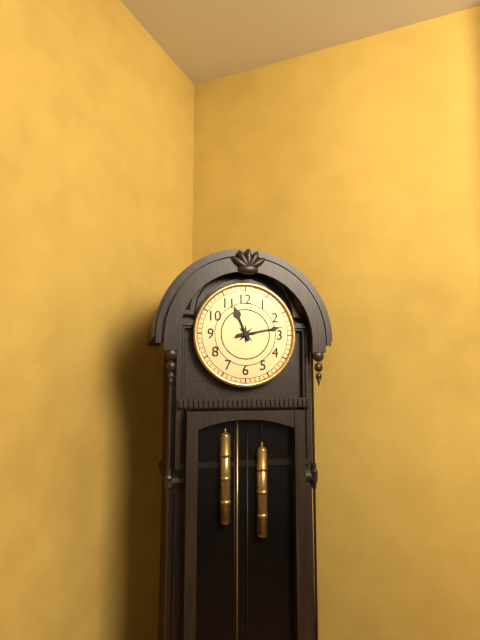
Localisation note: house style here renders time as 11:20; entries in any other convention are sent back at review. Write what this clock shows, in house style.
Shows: 11:13
